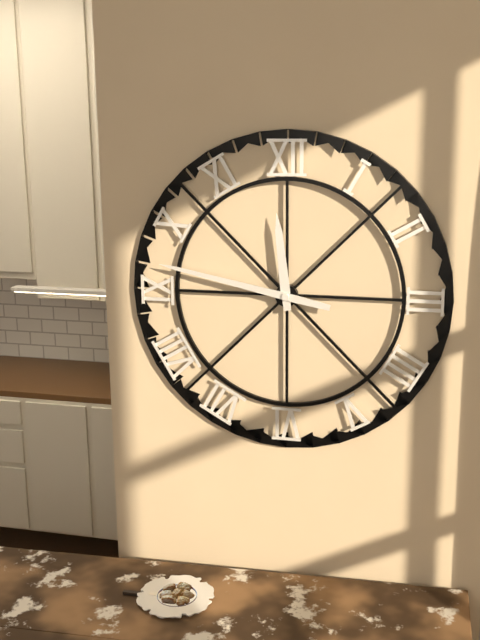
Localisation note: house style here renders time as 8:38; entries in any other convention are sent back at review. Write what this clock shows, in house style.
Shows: 11:47
